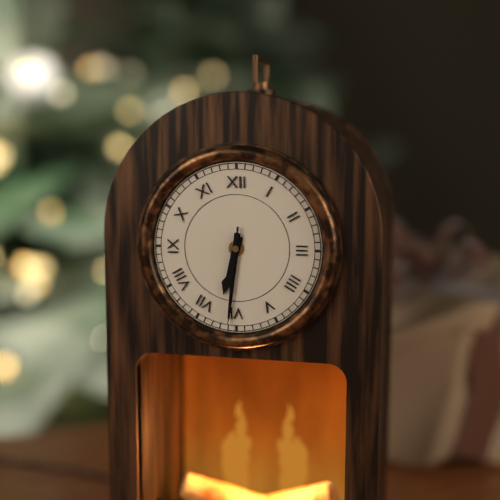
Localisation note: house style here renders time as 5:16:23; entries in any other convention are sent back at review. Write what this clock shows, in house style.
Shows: 6:31:31
